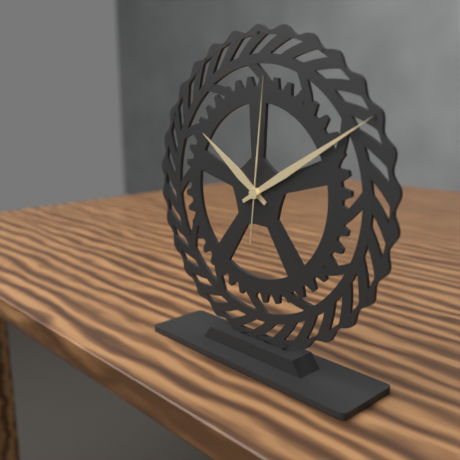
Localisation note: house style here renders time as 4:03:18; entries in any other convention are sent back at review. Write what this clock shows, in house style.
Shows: 10:10:01
